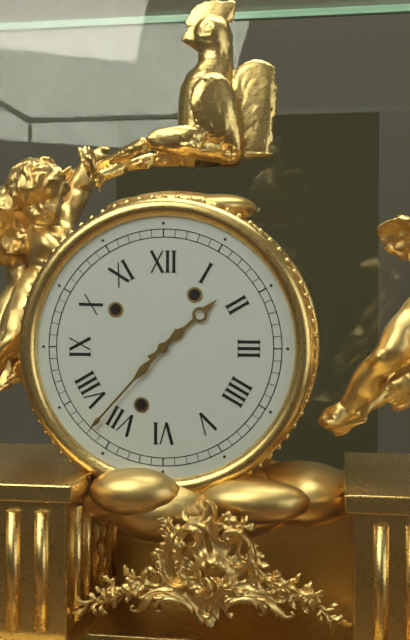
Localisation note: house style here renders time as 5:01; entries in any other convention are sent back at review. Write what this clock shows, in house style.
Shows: 1:37
